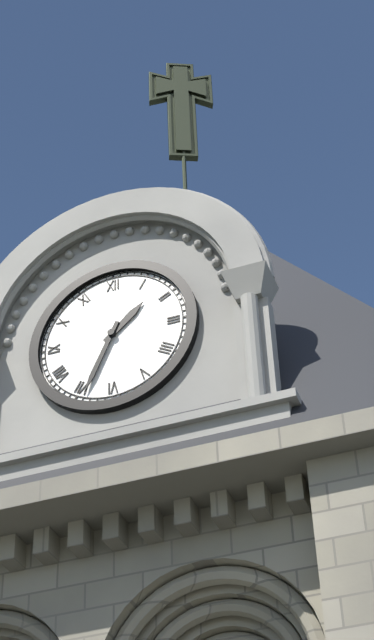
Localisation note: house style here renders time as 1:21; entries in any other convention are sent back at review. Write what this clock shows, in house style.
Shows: 1:34
